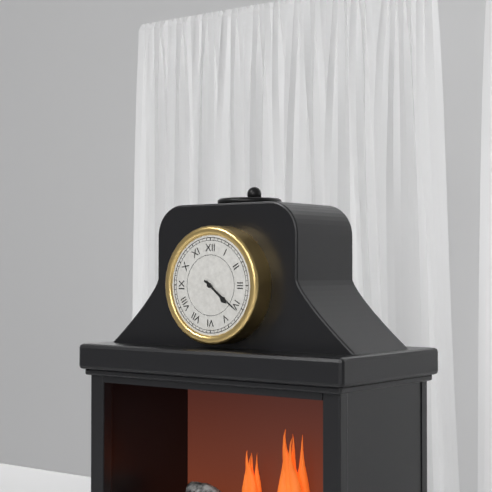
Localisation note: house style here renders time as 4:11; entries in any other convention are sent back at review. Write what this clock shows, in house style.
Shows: 4:21
